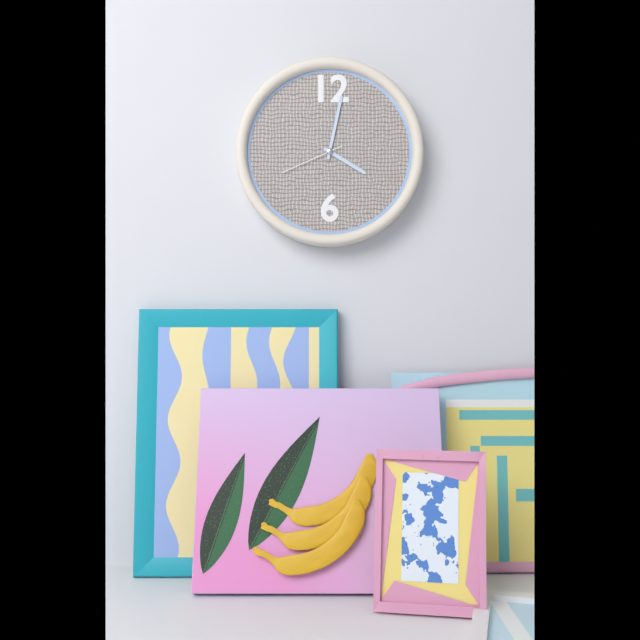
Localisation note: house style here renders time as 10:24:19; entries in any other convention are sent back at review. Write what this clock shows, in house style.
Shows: 4:02:41
